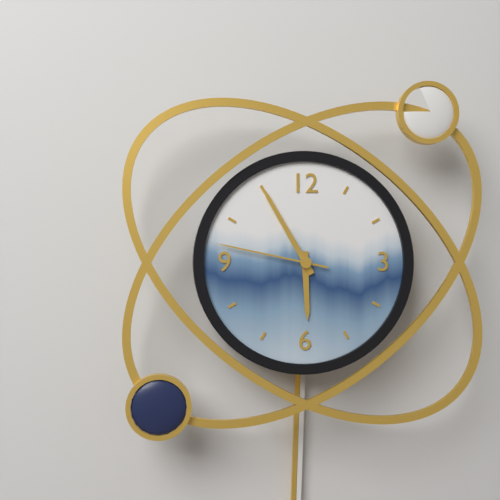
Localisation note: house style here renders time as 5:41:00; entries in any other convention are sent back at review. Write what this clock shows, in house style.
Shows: 5:55:47
